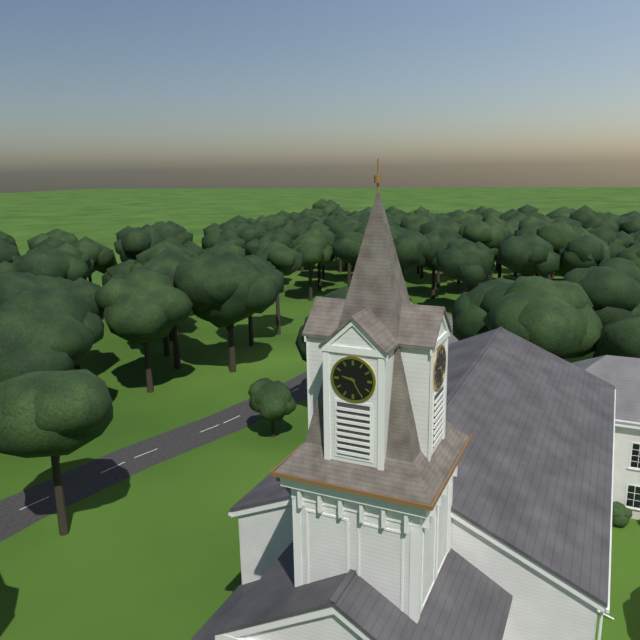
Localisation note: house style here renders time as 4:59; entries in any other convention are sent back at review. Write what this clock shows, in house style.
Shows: 9:25
